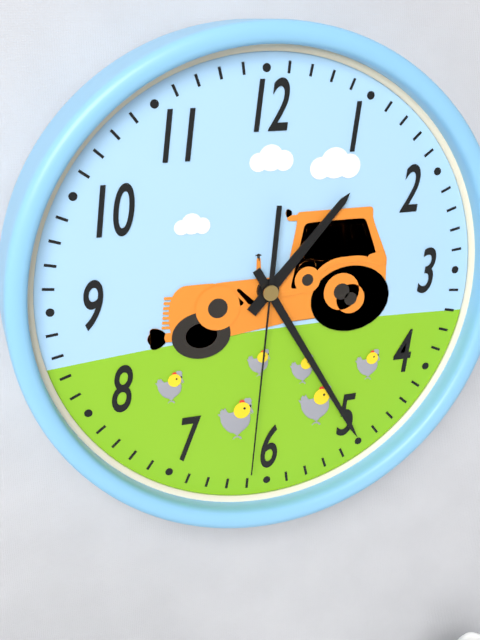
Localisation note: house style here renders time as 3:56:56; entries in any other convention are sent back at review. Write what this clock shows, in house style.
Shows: 1:25:31
